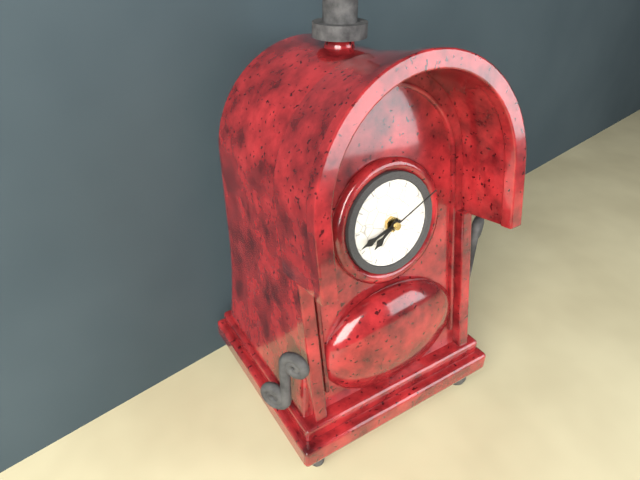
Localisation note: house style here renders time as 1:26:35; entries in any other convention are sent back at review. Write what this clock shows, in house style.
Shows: 7:42:11
